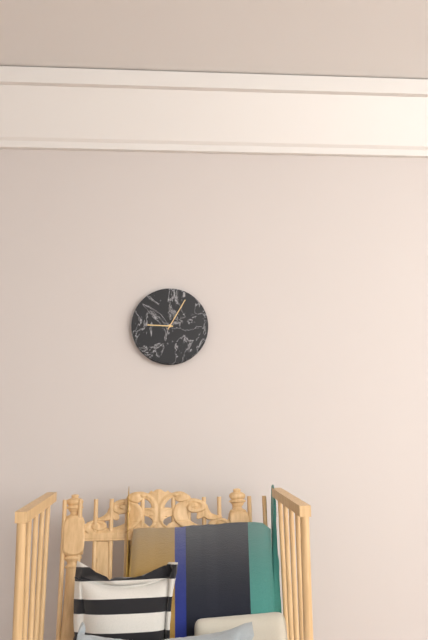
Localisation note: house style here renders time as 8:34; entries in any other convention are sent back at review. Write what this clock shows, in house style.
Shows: 9:05
